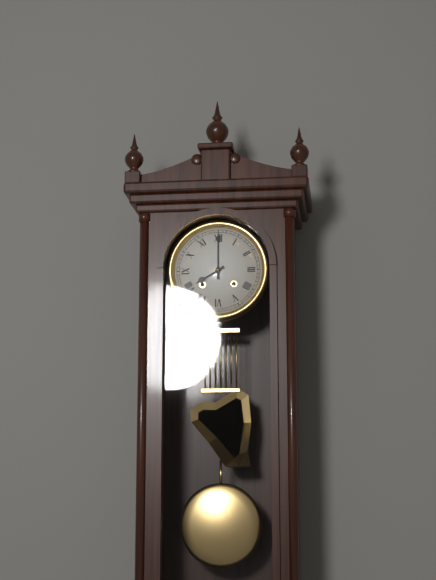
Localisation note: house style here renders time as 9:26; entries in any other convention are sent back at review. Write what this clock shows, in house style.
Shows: 8:00
